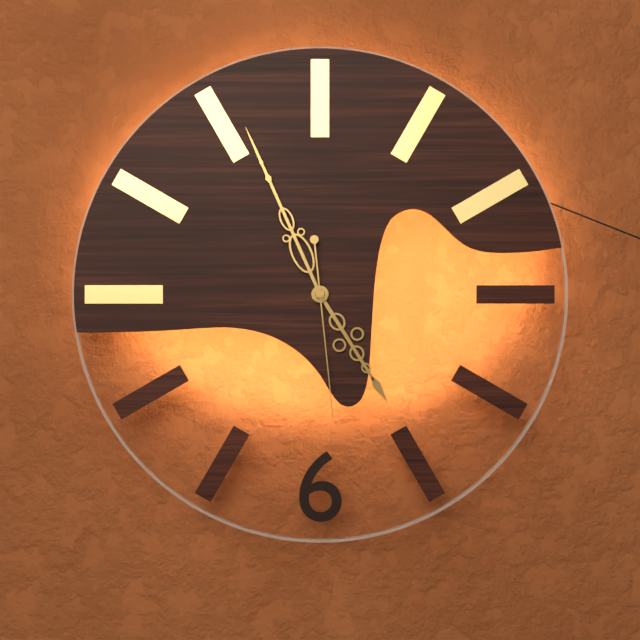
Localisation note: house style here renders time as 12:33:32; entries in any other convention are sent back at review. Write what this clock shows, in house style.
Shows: 4:56:29
